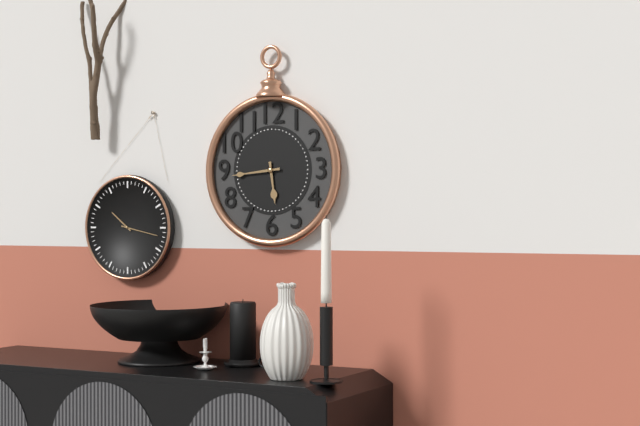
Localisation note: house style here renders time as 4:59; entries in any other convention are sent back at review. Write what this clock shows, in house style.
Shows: 5:44
